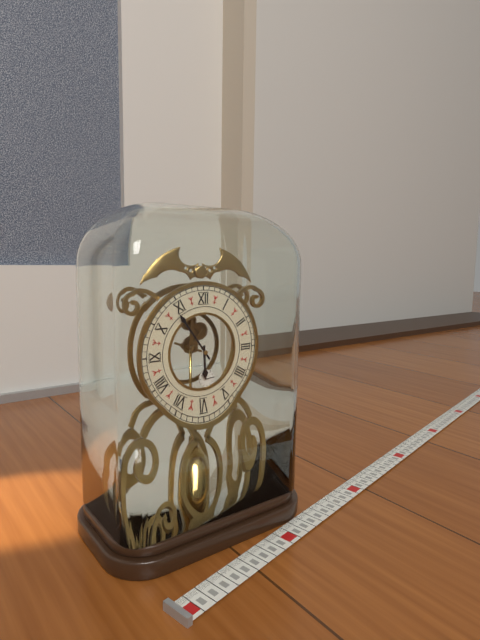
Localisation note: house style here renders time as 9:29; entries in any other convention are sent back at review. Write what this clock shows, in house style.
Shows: 5:54
